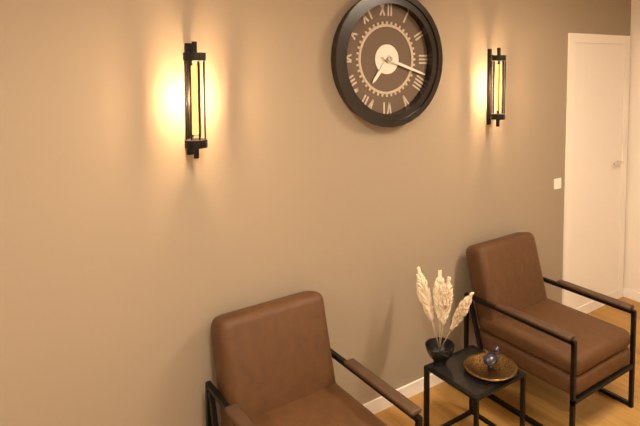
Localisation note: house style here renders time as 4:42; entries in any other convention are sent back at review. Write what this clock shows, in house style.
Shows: 7:18
